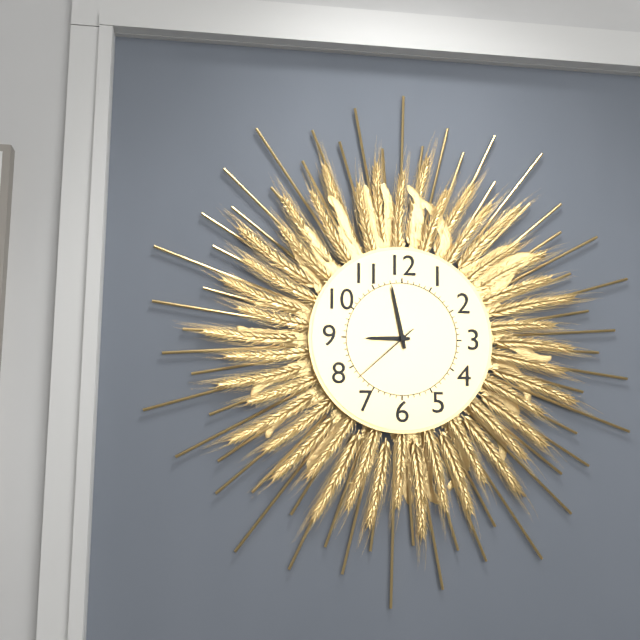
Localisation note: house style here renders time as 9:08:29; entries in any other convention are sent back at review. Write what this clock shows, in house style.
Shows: 8:58:38
